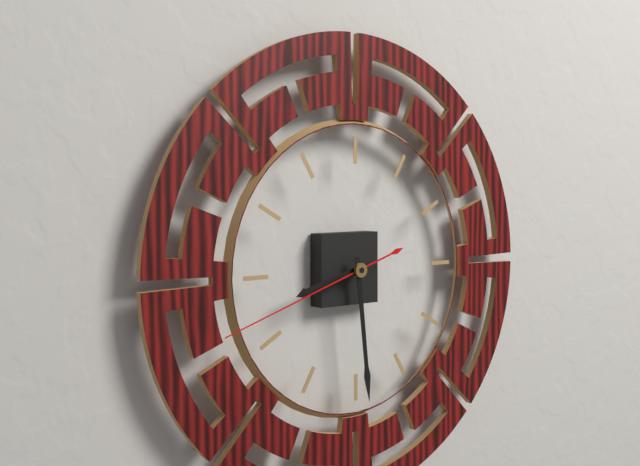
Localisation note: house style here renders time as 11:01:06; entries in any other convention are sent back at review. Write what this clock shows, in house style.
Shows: 8:29:42
